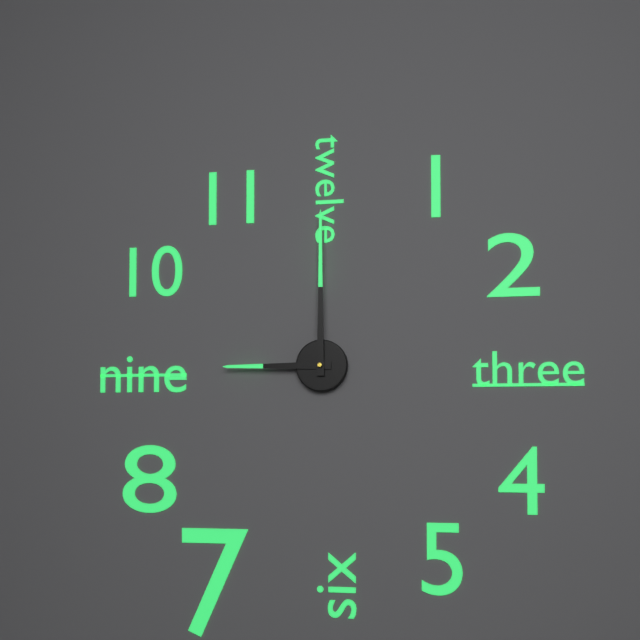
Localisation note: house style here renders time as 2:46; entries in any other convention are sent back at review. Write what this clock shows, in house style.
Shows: 9:00
